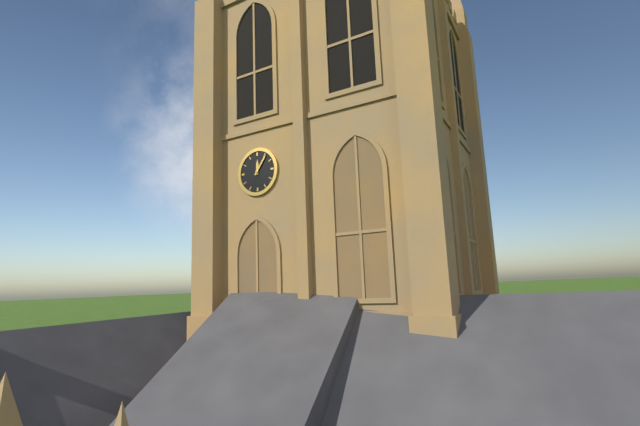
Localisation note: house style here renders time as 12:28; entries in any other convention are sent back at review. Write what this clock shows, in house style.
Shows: 12:06
